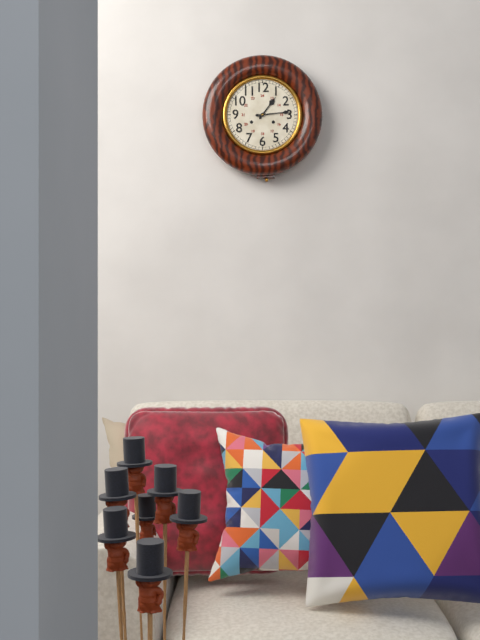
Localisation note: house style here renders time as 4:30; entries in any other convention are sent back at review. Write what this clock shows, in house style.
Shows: 1:14
